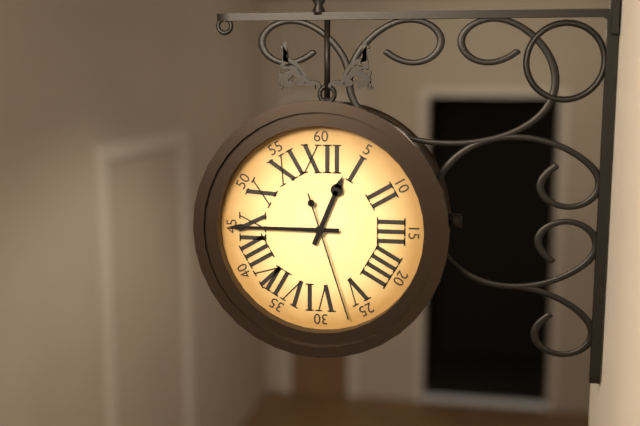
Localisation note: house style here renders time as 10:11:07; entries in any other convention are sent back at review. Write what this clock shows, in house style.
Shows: 12:45:27
